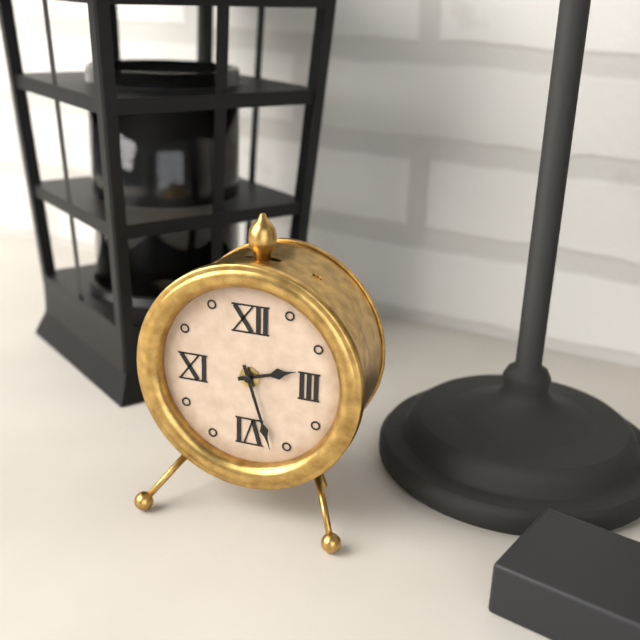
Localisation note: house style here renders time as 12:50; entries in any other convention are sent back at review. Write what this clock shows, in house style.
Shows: 2:27
